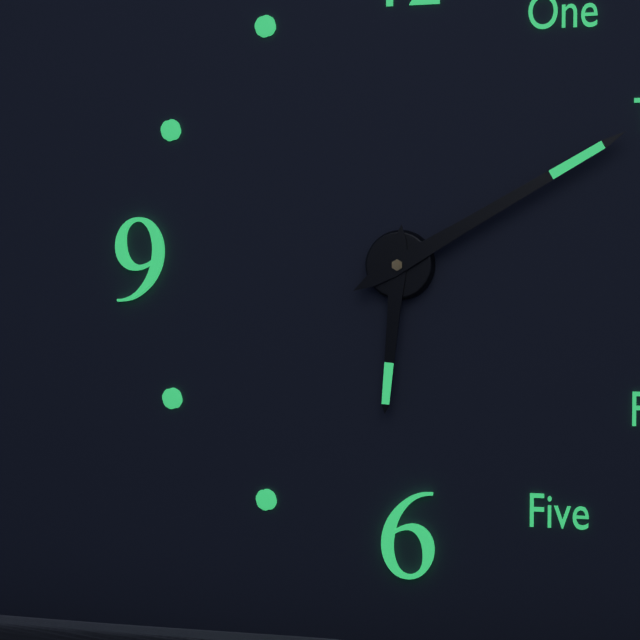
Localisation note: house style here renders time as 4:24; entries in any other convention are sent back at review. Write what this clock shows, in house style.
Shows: 6:10
